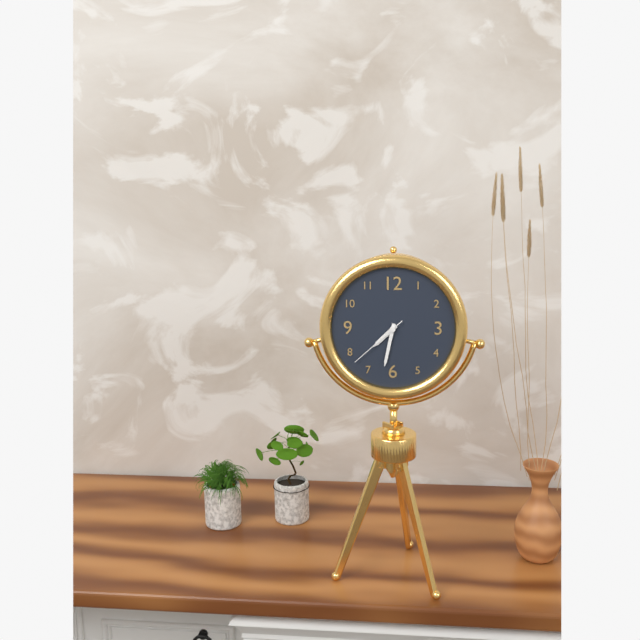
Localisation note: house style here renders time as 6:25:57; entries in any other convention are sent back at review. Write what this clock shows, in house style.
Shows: 7:32:38
